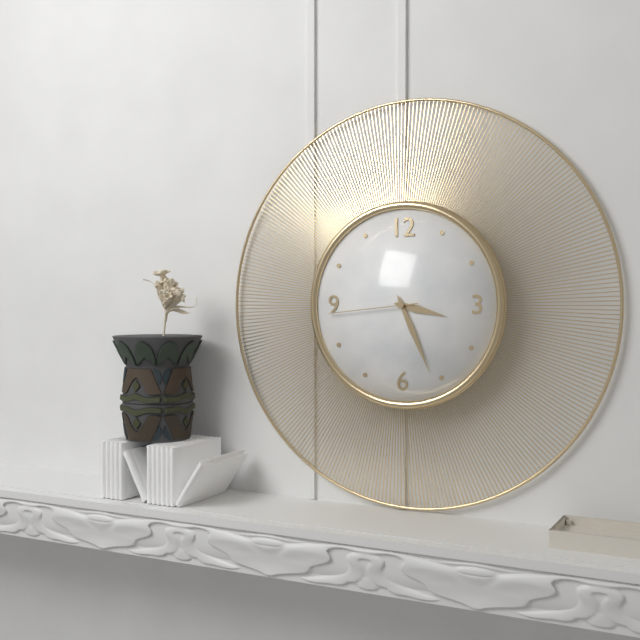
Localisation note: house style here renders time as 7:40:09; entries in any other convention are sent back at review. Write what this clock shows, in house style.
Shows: 3:26:44
